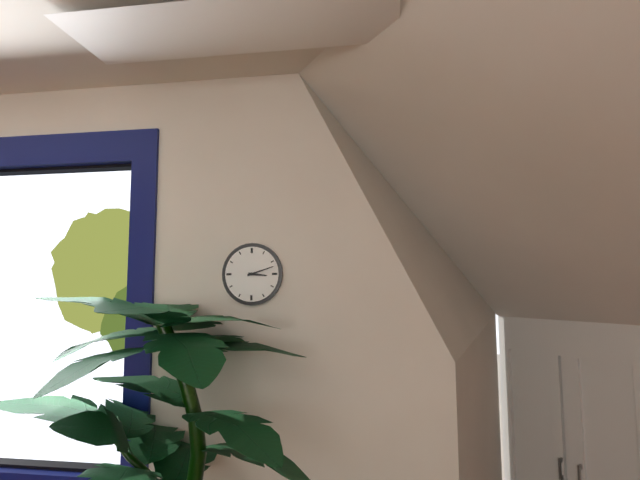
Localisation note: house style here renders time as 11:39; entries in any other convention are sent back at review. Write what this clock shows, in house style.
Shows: 3:12
